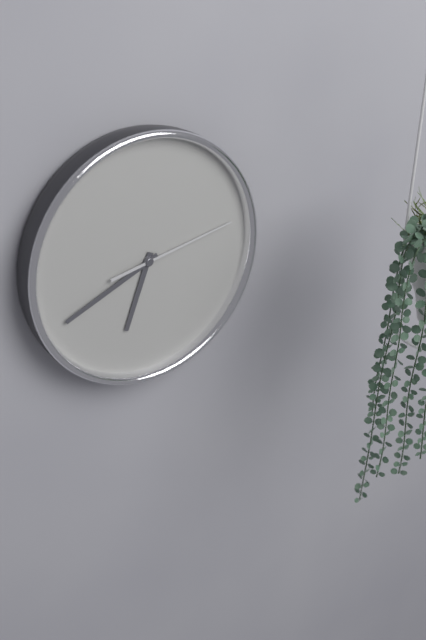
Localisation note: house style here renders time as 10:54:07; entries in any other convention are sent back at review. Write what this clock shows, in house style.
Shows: 6:41:13
